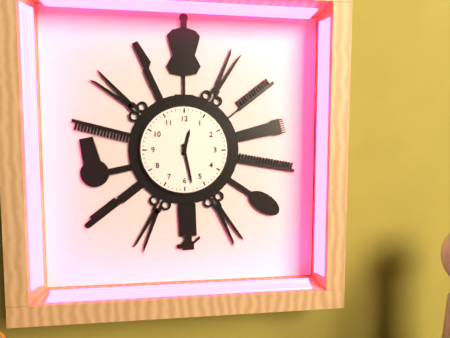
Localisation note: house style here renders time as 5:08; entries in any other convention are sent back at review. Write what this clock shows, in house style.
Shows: 12:28
